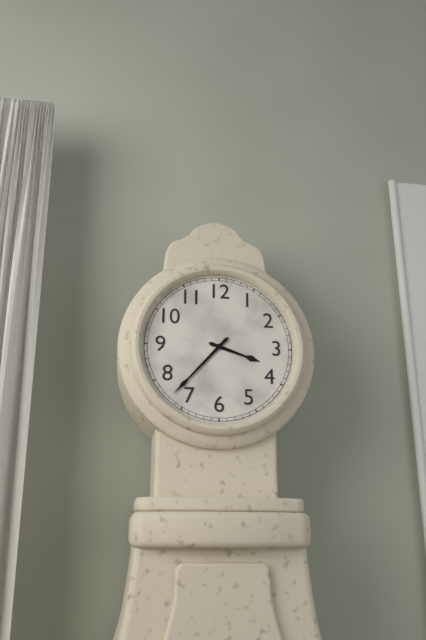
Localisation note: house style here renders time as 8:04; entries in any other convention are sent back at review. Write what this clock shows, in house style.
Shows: 3:37
